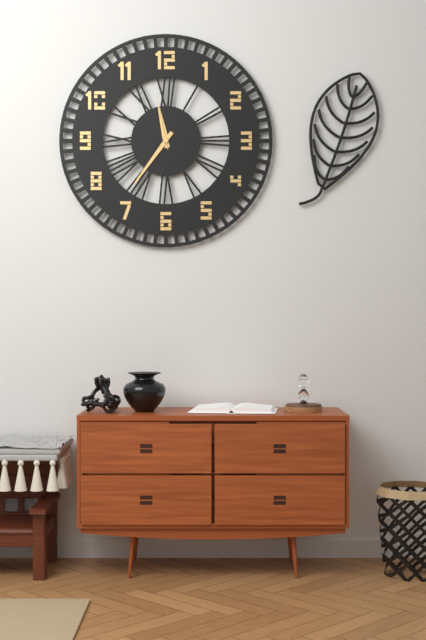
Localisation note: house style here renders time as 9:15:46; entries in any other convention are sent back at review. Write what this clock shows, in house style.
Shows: 11:36:58
